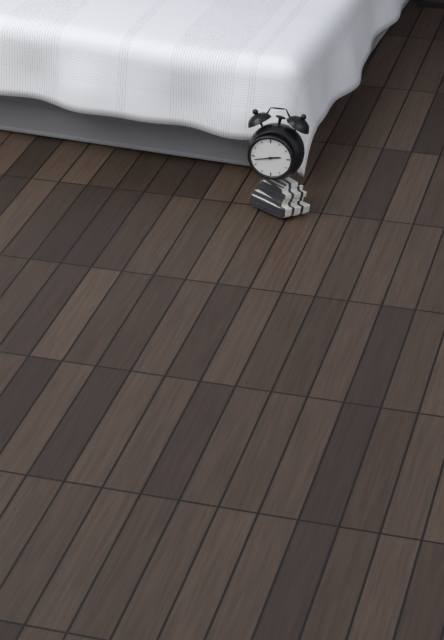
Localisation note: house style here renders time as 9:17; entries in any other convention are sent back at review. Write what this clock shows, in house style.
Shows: 2:43
